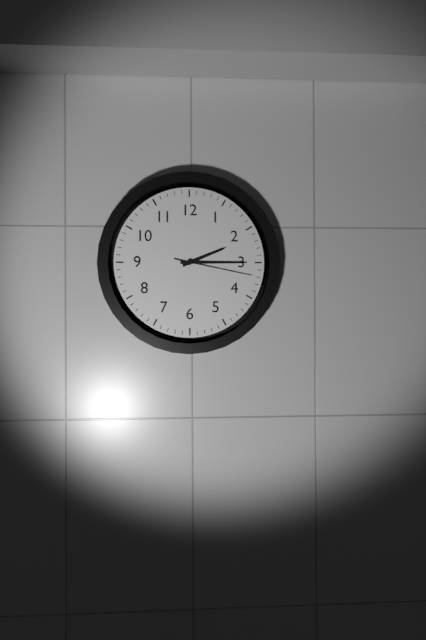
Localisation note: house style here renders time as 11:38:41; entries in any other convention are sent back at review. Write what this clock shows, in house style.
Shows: 2:15:17
